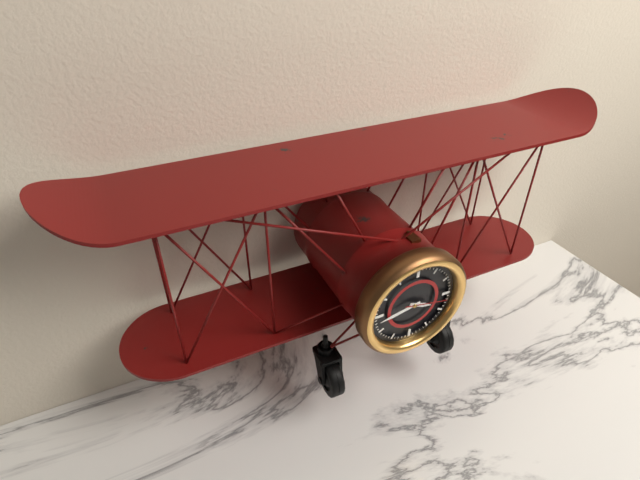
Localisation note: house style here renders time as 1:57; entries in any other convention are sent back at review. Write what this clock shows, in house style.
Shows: 3:43
